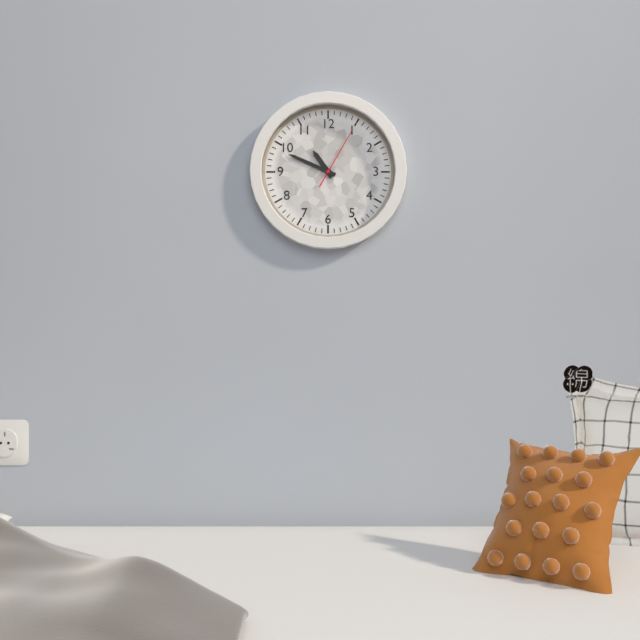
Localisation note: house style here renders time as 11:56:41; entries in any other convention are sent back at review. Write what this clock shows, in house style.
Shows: 10:49:05
